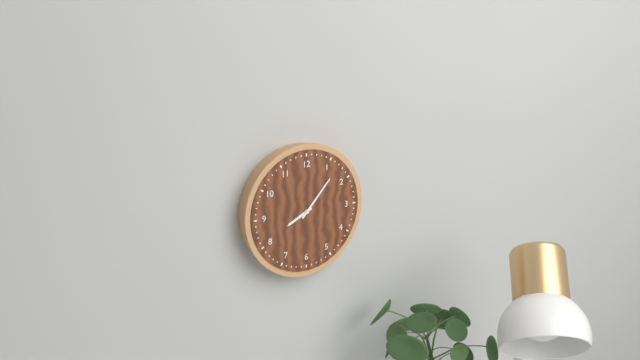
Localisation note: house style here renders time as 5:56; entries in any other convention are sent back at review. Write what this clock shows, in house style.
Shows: 8:07
